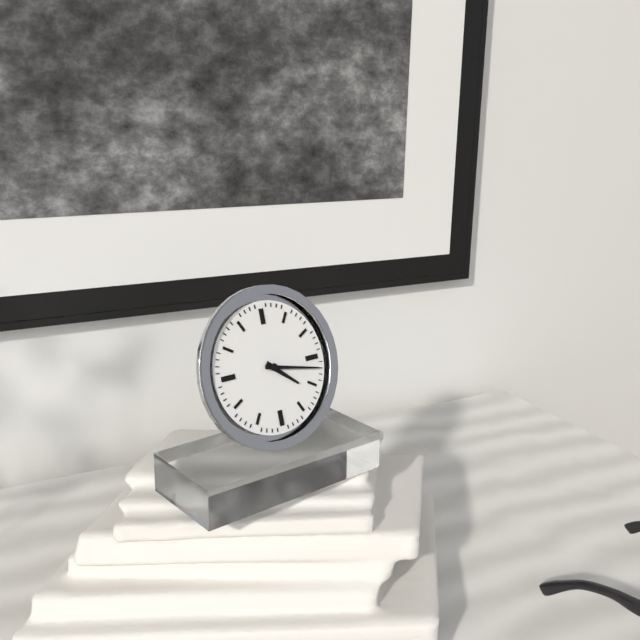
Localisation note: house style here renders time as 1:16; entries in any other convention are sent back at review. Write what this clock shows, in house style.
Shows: 4:17
